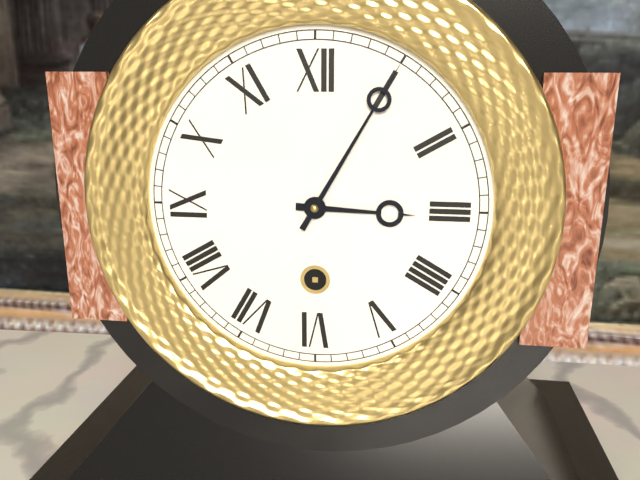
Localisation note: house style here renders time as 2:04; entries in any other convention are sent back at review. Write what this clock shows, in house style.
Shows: 3:05
